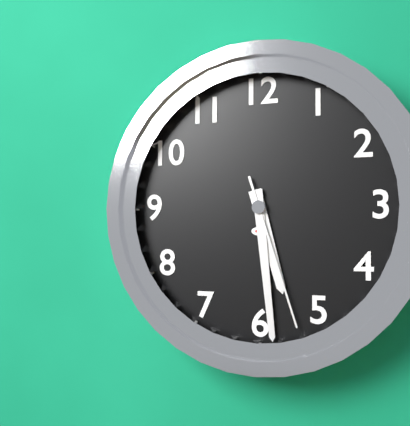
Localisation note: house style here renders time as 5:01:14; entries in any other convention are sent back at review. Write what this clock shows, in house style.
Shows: 5:29:27
